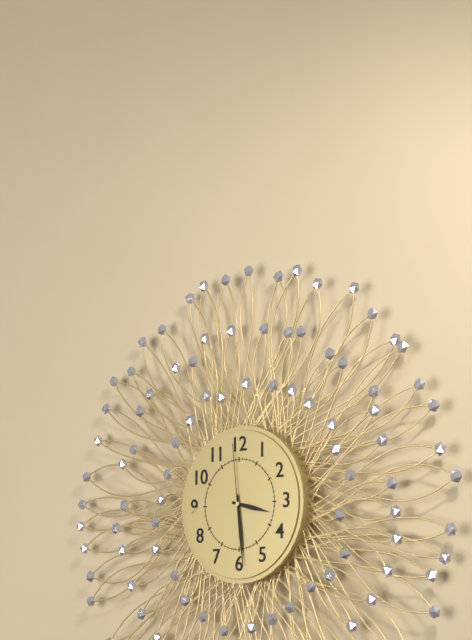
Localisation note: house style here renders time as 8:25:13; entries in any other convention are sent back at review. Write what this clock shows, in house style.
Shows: 3:29:59
